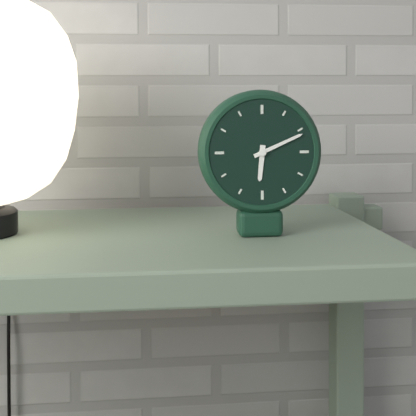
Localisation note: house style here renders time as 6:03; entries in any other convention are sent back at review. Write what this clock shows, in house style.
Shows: 6:11
